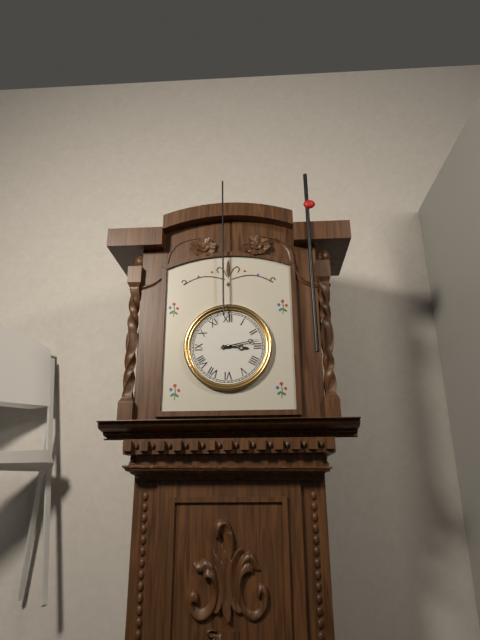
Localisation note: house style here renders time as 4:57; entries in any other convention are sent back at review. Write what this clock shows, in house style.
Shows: 3:13
